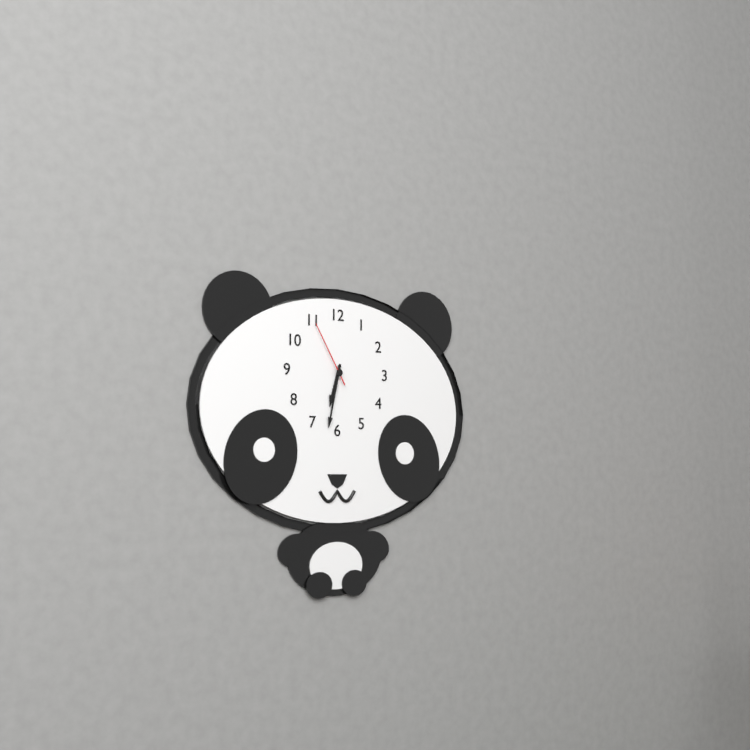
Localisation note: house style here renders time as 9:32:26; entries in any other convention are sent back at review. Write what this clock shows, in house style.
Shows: 6:32:55
